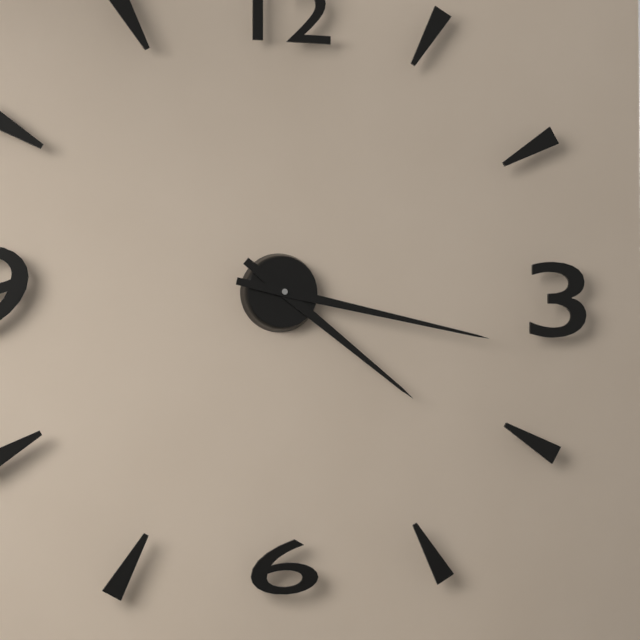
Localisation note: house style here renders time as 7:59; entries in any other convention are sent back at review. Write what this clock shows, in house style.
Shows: 4:17
